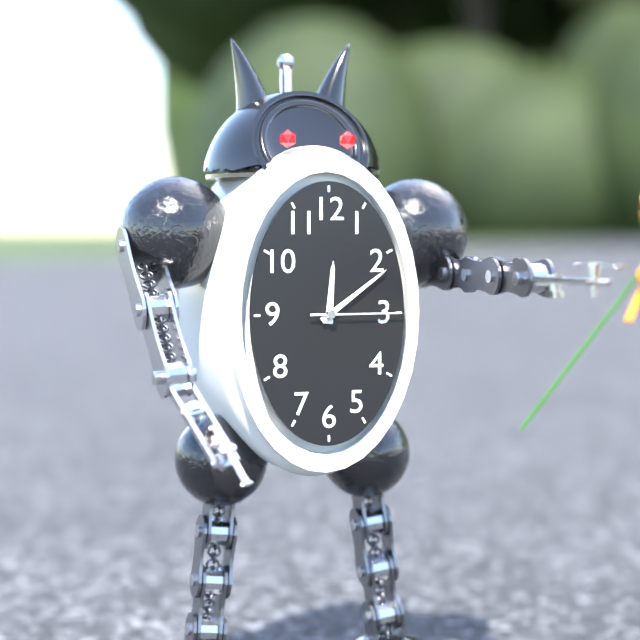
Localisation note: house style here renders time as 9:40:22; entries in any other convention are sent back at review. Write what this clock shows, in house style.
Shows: 12:09:15
